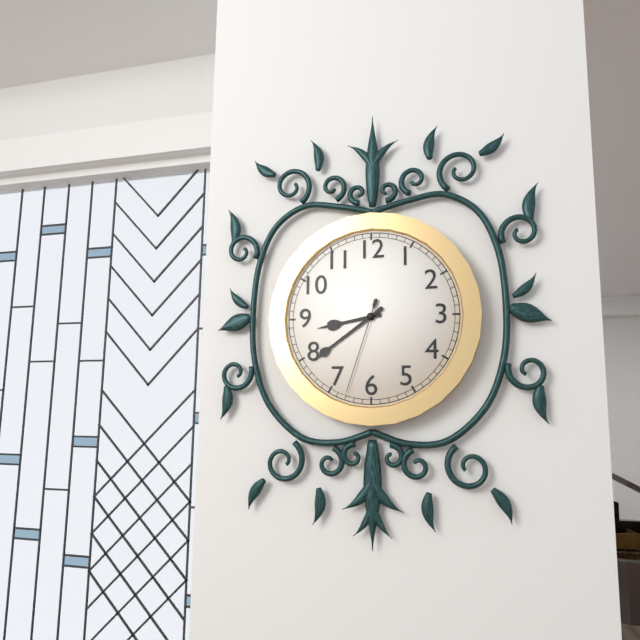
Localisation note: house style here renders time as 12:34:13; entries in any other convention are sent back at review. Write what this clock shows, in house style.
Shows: 8:39:33
